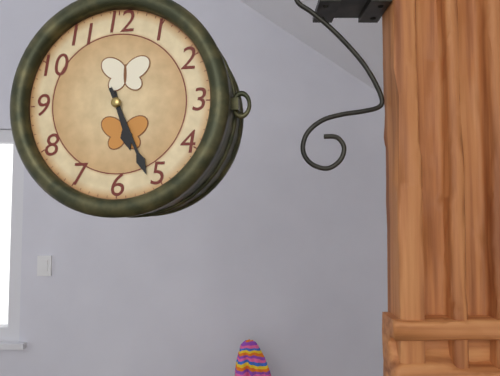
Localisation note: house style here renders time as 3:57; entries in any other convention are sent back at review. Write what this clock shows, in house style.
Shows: 5:26
